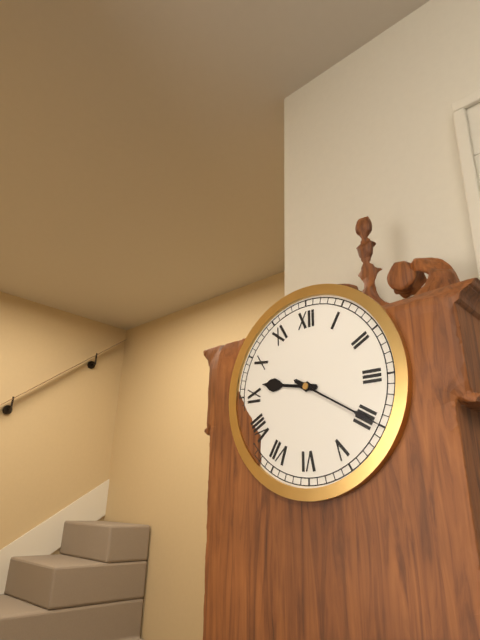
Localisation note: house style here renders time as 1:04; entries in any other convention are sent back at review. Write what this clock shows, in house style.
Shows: 9:20
